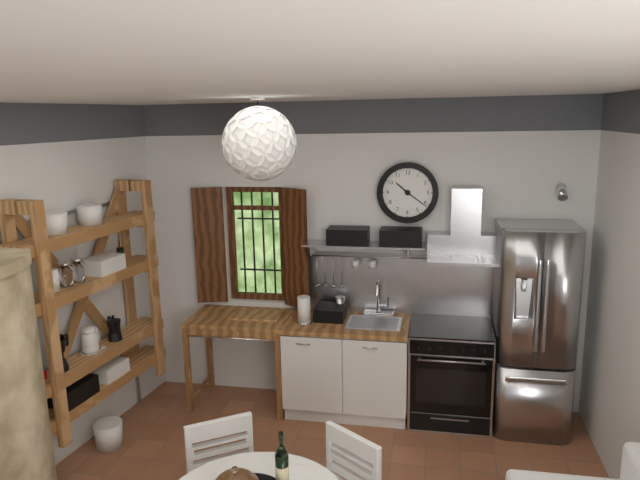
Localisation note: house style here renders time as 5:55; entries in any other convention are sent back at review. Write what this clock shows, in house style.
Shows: 10:21
